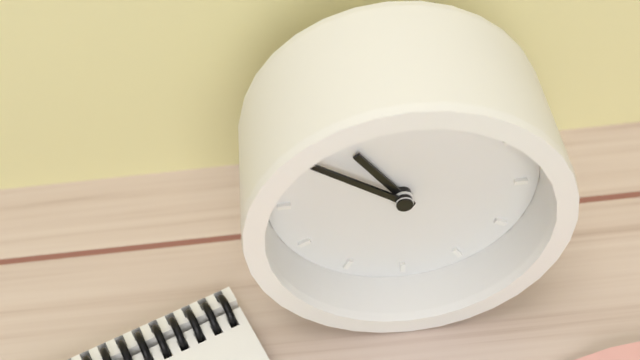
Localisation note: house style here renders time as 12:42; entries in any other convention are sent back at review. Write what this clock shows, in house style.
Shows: 10:51
